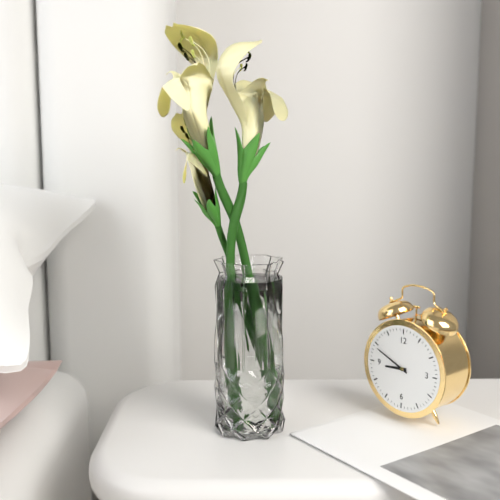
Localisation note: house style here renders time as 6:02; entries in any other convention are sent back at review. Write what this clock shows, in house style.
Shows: 8:49
